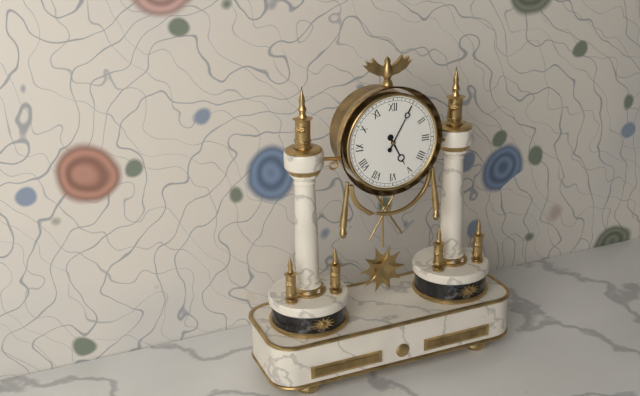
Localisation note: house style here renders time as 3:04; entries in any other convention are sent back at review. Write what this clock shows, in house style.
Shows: 5:05
